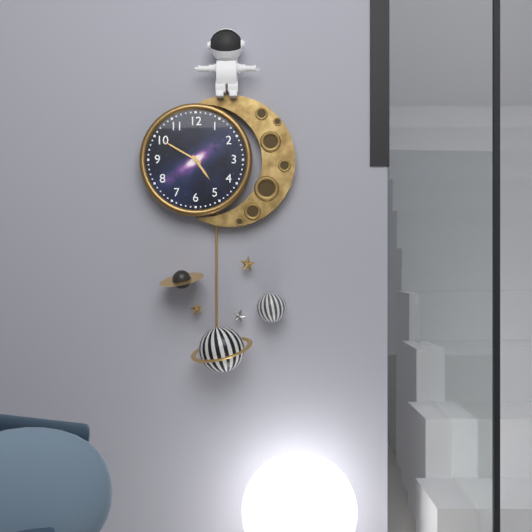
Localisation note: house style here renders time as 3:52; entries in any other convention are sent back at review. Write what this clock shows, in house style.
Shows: 4:50
